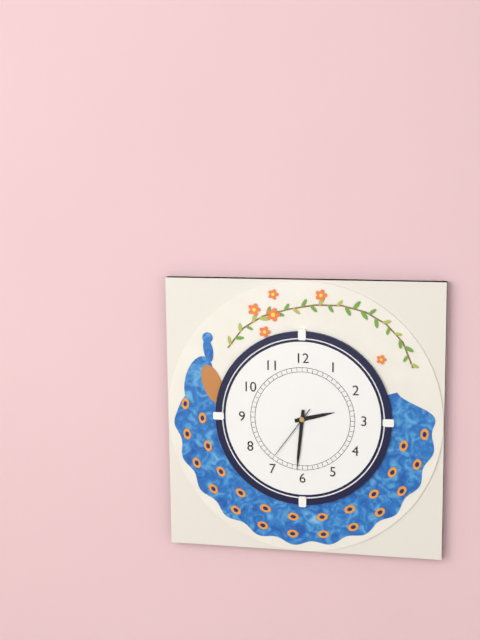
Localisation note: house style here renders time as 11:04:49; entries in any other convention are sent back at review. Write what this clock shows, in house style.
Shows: 2:31:36
